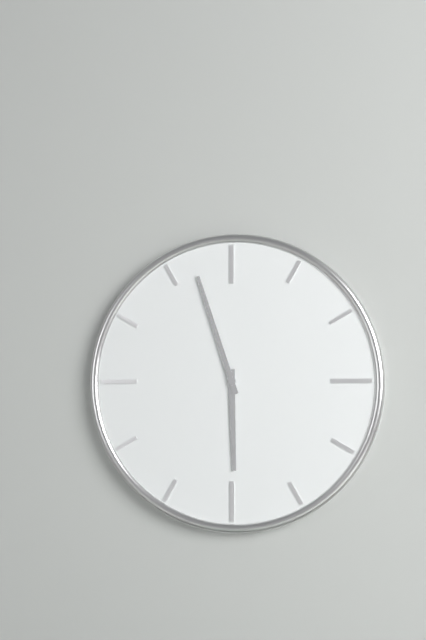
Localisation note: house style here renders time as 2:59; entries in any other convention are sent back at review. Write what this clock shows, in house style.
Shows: 5:57
